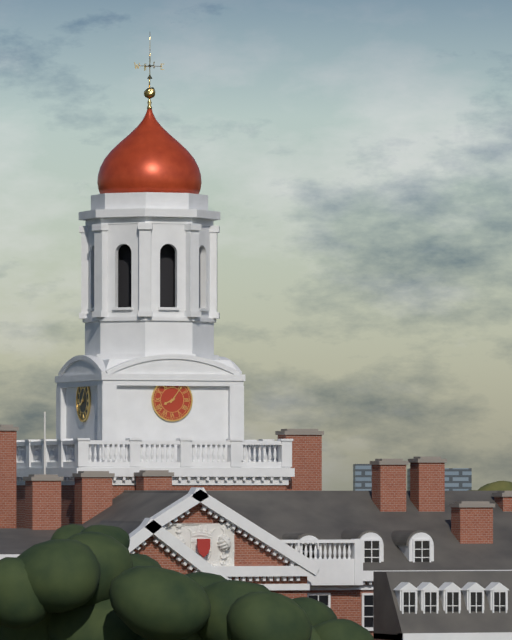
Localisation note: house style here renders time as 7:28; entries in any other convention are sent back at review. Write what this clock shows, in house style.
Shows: 8:06
